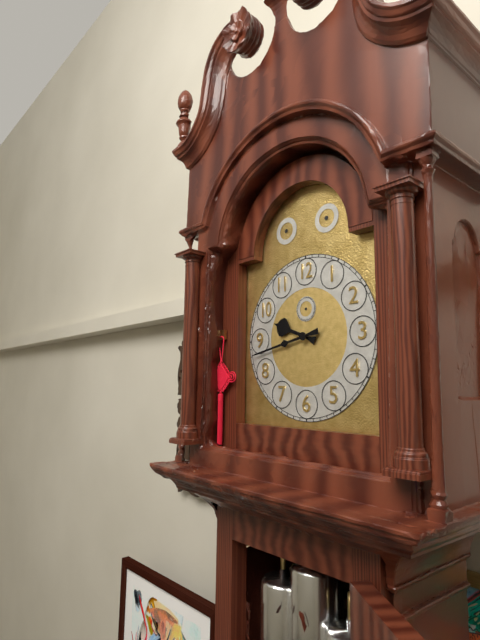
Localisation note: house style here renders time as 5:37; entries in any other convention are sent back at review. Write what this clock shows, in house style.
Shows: 9:43
